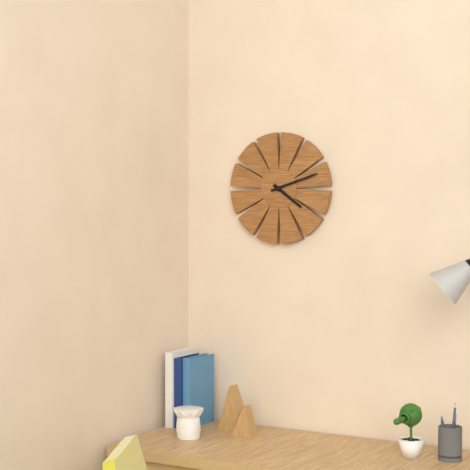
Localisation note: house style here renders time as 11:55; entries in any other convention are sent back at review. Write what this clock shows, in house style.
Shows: 4:12
